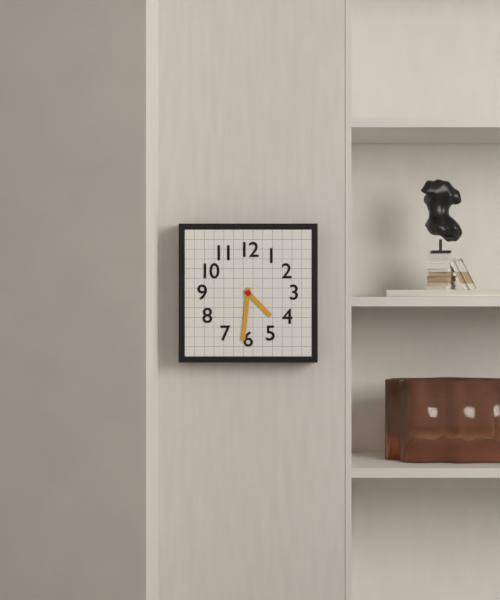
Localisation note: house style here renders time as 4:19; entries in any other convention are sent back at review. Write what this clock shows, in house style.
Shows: 4:31
